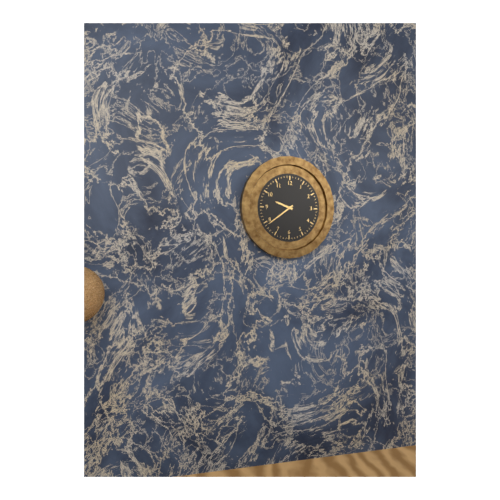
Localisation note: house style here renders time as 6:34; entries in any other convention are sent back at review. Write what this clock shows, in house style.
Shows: 9:39
